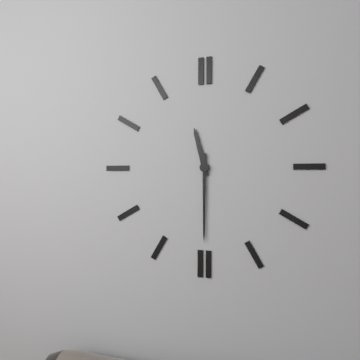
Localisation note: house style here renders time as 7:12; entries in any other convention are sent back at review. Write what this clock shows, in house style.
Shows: 11:30
